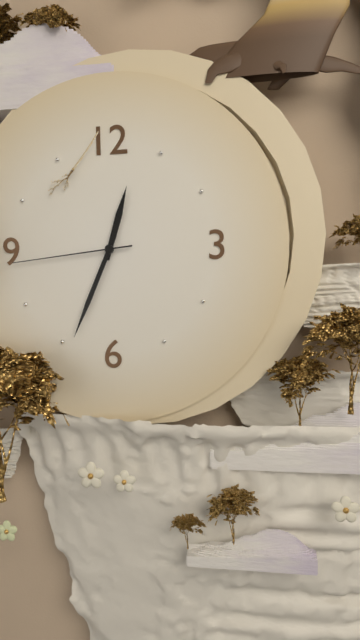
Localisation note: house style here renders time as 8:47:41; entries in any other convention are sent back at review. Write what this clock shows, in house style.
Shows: 12:34:44
